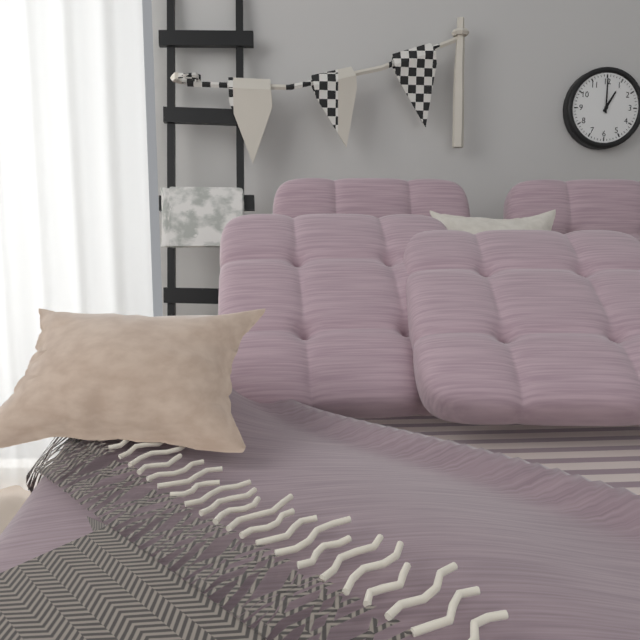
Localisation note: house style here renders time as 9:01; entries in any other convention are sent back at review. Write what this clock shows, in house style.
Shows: 1:00
